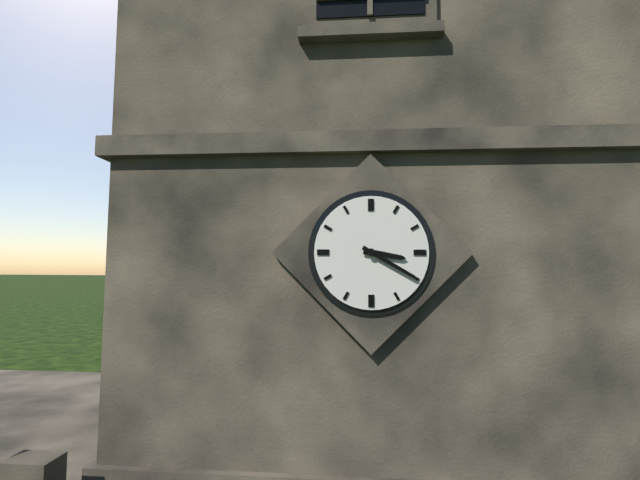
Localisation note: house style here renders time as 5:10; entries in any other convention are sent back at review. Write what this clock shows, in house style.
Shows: 3:20
